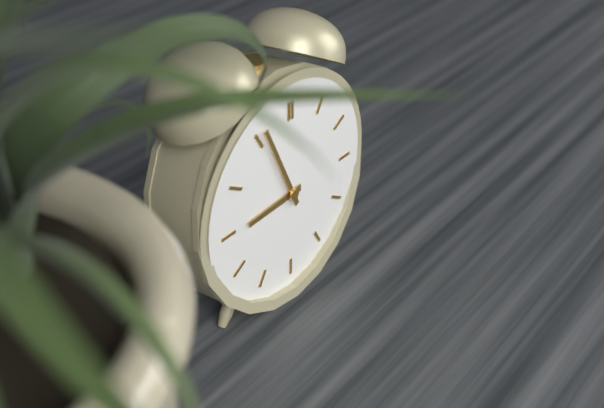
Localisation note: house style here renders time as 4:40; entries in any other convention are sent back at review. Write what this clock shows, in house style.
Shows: 8:56
